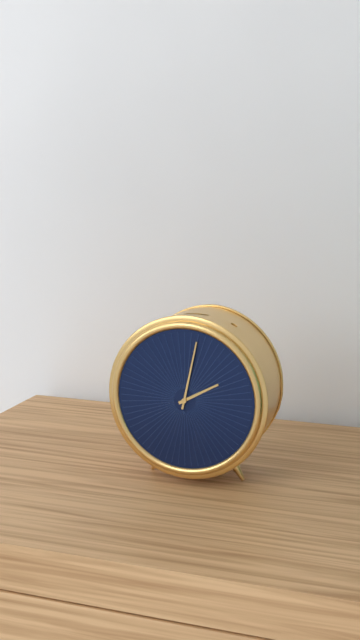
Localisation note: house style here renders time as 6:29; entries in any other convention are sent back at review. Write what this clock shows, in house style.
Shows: 2:02
